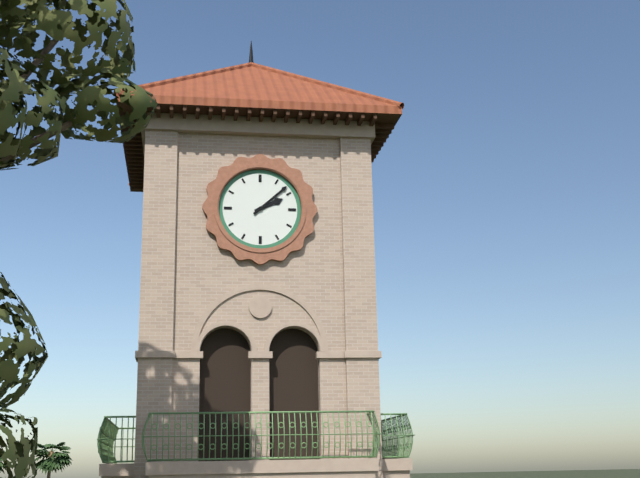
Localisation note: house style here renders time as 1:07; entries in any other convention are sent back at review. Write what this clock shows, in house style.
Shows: 2:08
